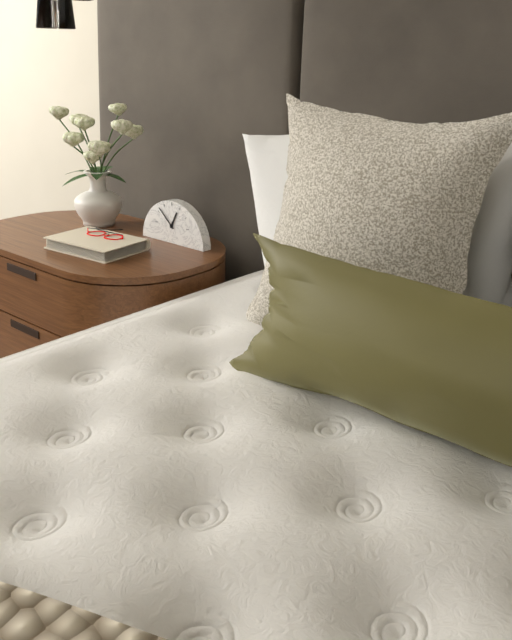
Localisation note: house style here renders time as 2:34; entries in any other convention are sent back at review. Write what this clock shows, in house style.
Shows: 12:52
